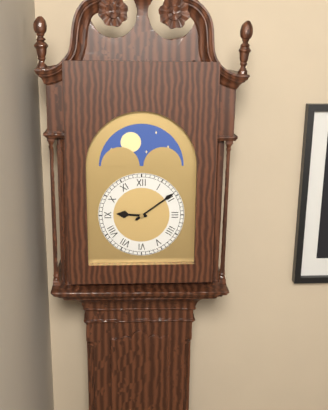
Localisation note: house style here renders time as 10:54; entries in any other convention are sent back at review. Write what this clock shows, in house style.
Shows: 9:09
